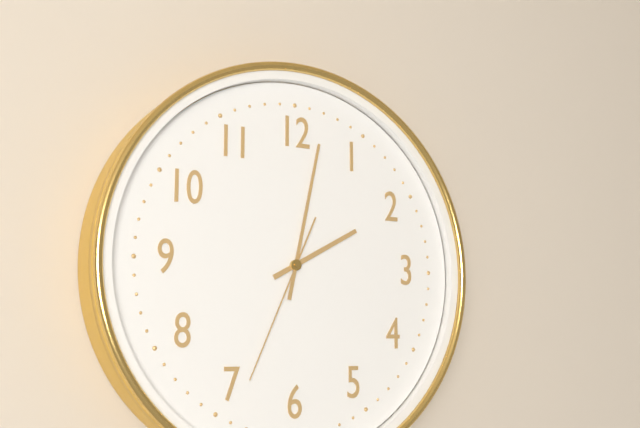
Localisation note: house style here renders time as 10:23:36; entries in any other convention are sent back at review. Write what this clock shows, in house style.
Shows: 2:02:34
